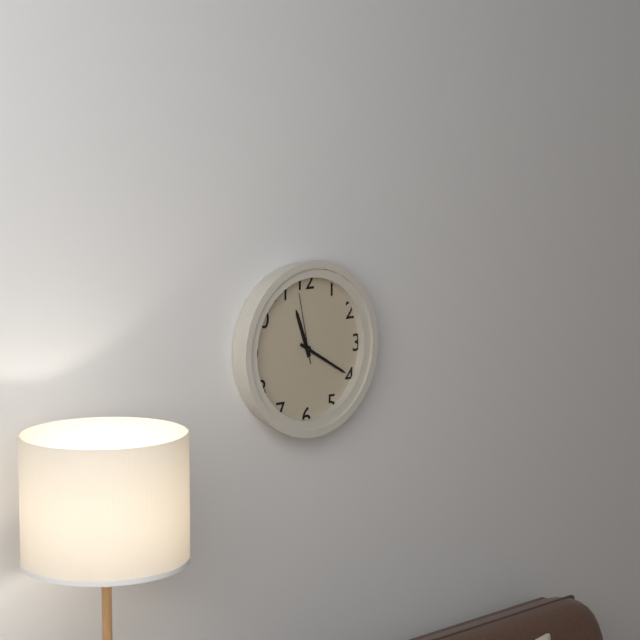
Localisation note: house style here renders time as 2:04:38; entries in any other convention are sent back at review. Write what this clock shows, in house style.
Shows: 11:20:58
